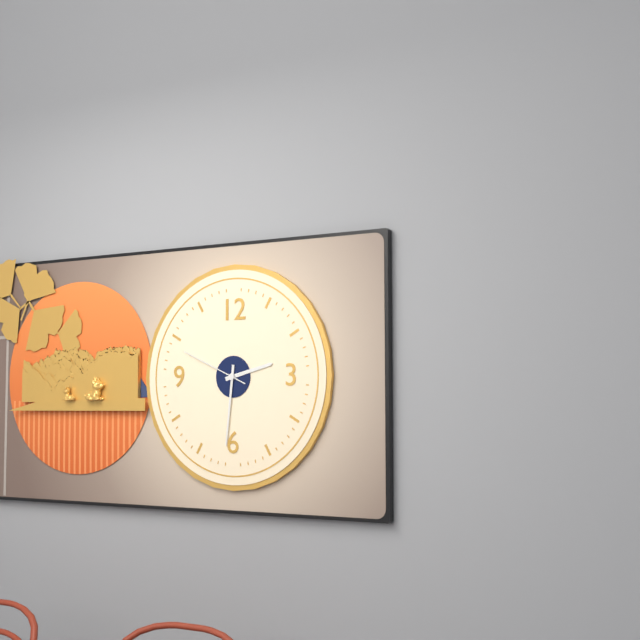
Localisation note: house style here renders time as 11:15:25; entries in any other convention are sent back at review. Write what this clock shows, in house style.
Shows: 2:31:49
